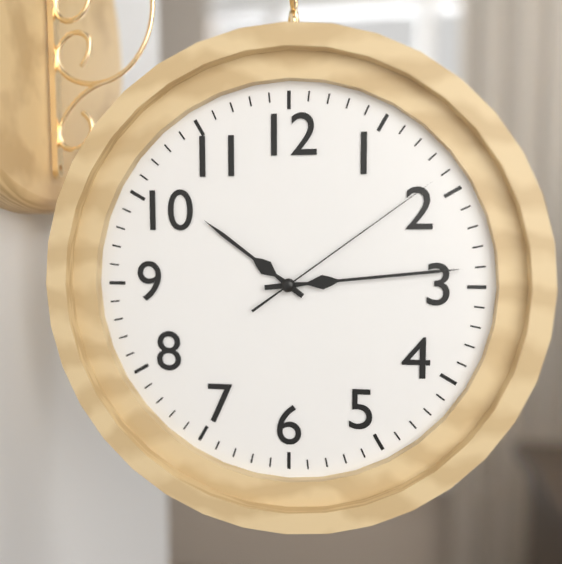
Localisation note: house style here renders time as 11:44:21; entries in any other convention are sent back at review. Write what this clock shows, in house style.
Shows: 10:14:09
